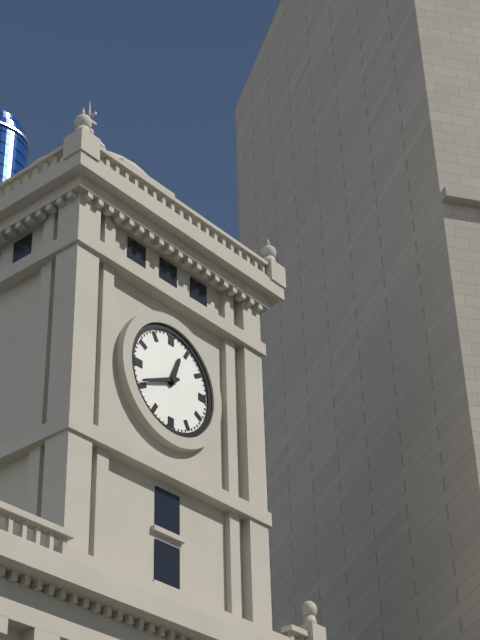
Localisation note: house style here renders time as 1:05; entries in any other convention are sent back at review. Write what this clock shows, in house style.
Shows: 12:41
